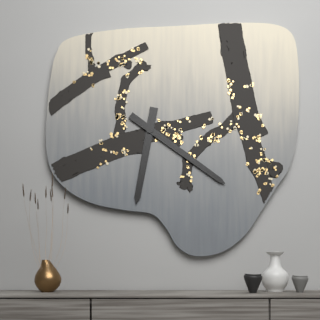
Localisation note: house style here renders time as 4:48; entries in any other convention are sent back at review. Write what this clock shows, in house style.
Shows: 6:21
